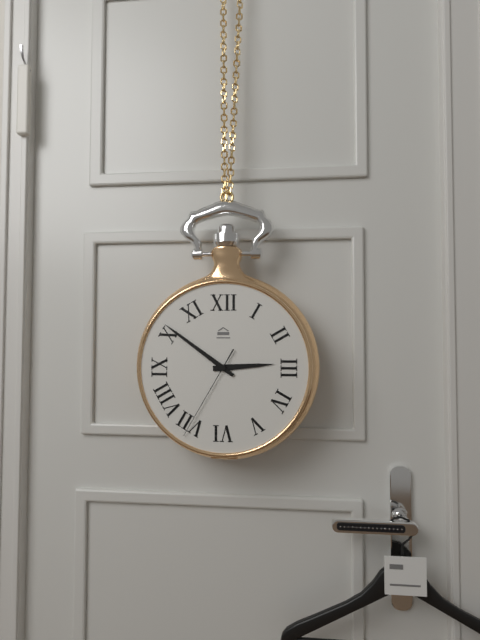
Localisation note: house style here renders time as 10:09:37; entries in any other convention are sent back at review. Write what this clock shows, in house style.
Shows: 2:51:35
